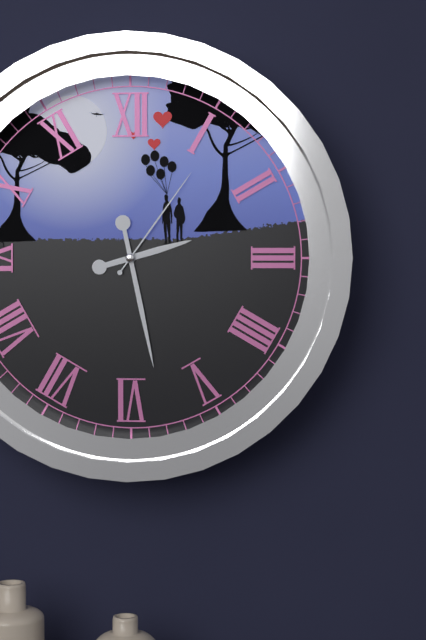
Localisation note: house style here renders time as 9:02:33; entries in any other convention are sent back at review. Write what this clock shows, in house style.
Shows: 2:28:06
